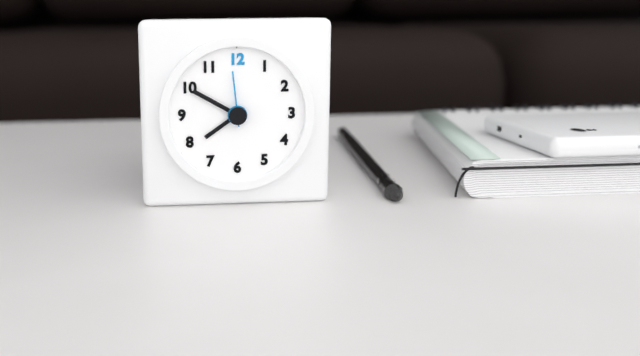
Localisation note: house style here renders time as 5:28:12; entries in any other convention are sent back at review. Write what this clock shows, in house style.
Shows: 7:50:59
